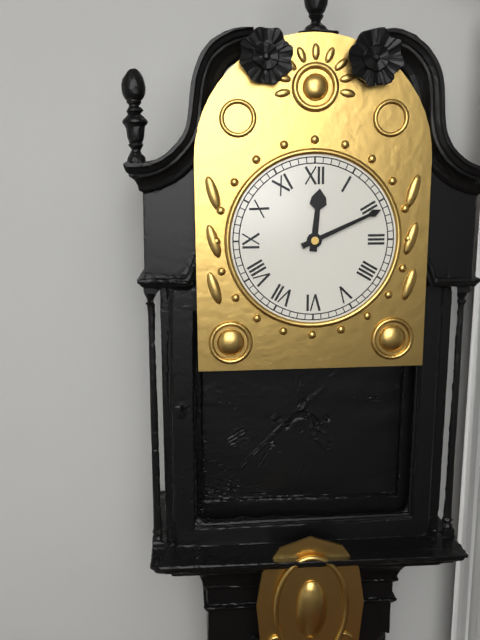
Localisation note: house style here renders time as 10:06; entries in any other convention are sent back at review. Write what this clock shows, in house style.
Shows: 12:11
